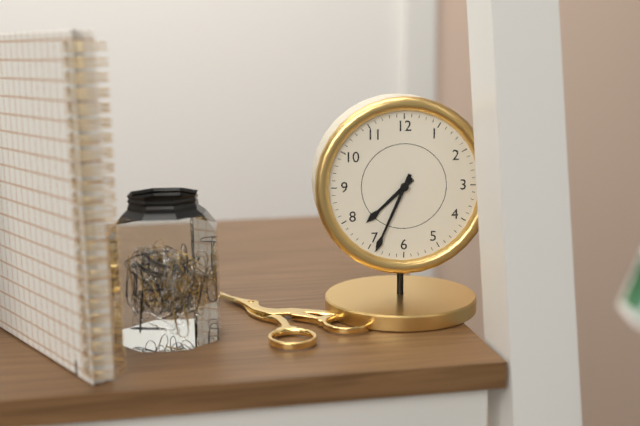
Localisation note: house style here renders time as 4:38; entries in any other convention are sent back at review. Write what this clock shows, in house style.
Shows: 7:34
